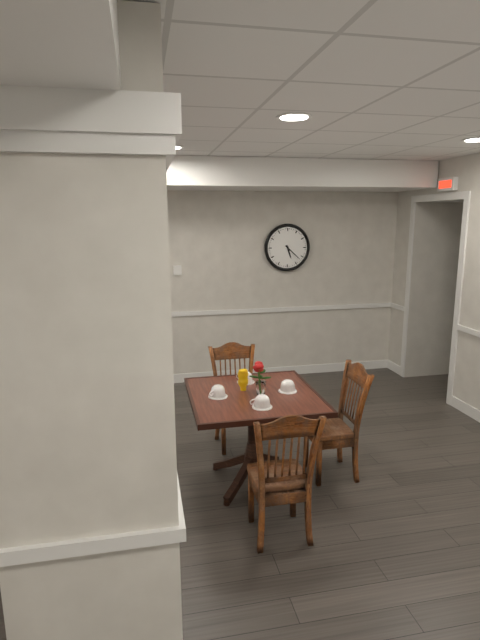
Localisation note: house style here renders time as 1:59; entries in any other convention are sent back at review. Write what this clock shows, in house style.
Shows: 5:22
